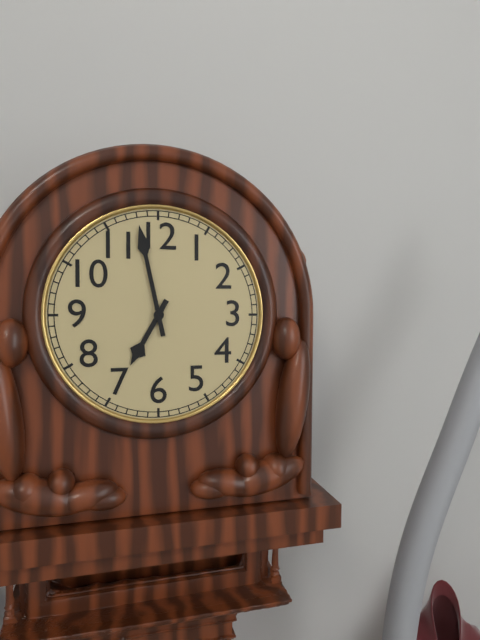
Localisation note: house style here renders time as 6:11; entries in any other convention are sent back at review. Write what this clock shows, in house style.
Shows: 6:58
